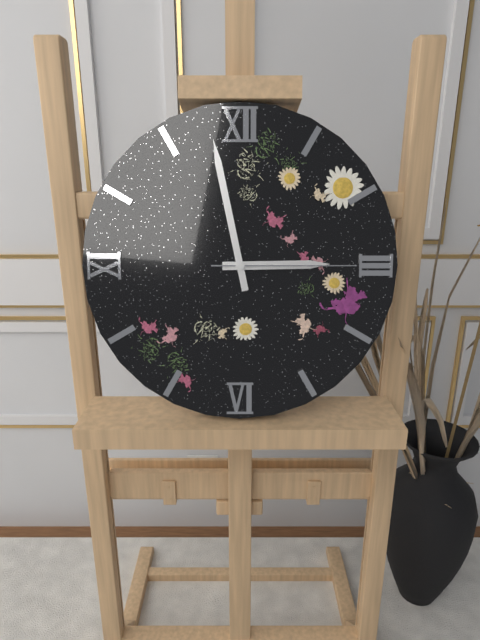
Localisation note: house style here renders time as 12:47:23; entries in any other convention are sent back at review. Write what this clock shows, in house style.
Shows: 2:58:15
